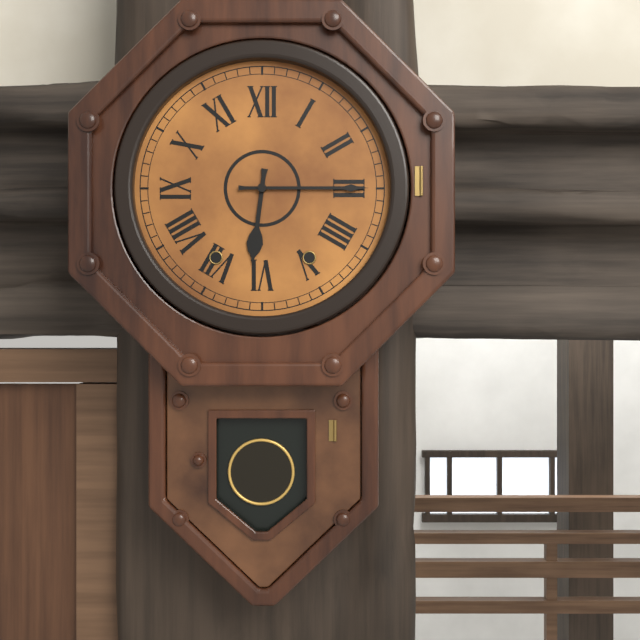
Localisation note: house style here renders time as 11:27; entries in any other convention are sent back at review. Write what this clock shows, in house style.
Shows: 6:15
